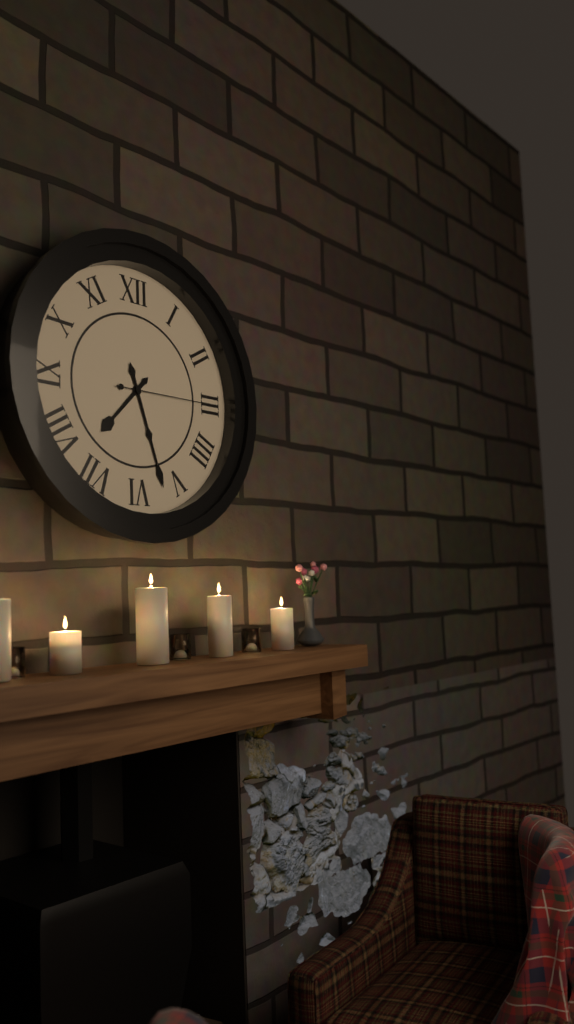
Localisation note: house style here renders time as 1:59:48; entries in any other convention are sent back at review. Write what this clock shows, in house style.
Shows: 7:27:15
